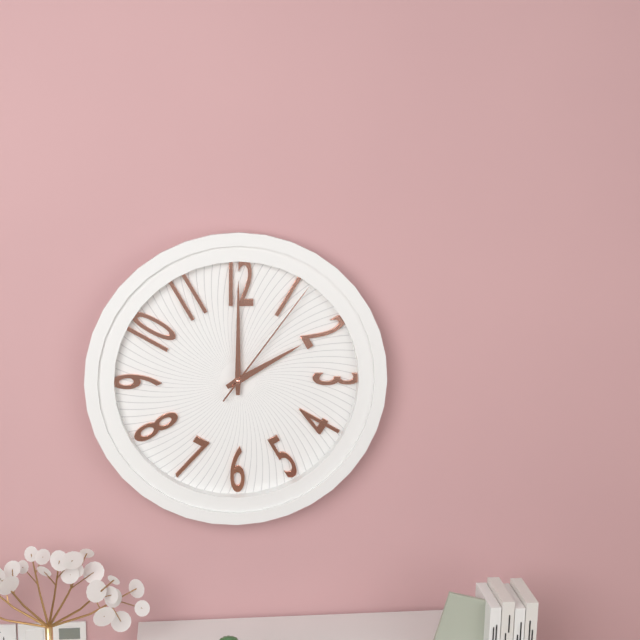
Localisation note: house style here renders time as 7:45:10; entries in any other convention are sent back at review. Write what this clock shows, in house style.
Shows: 2:00:06
